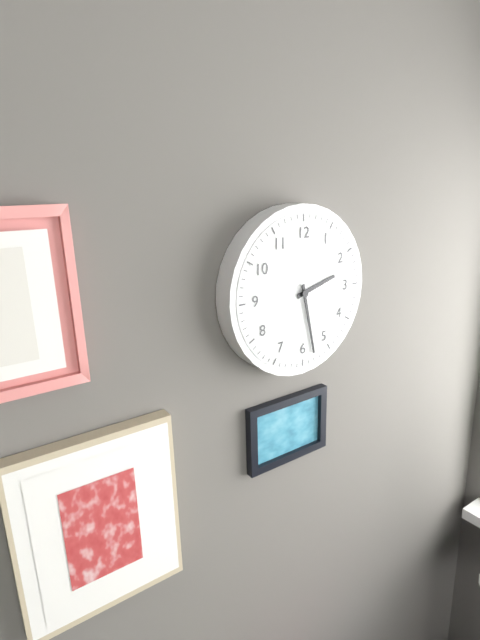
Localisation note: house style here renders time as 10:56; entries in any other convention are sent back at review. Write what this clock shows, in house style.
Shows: 2:28
